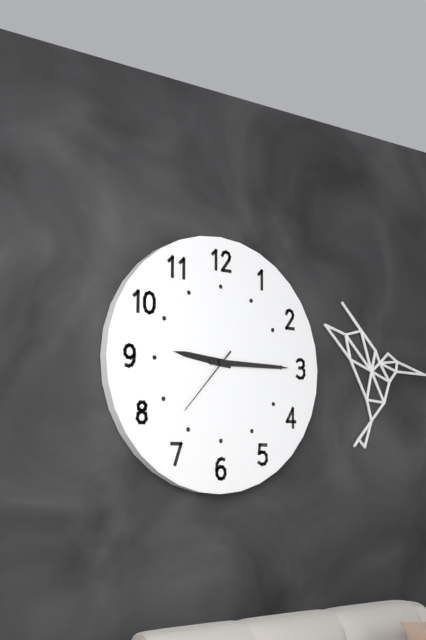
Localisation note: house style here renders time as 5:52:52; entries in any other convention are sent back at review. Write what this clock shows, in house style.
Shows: 9:15:37
